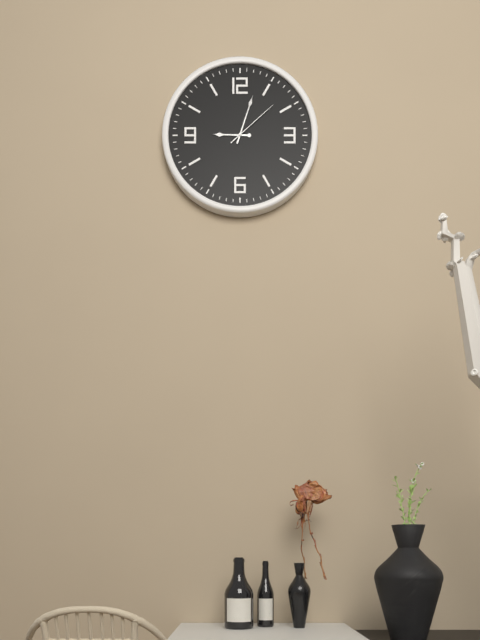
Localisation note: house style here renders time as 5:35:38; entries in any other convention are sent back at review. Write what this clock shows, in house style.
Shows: 9:03:08
